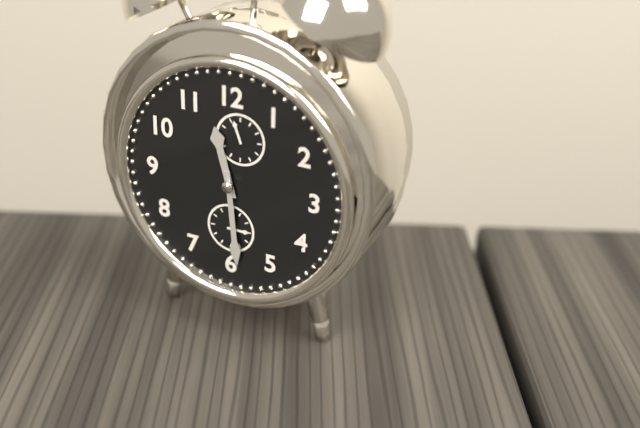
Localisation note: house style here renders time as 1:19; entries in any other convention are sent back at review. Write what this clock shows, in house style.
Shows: 11:29
